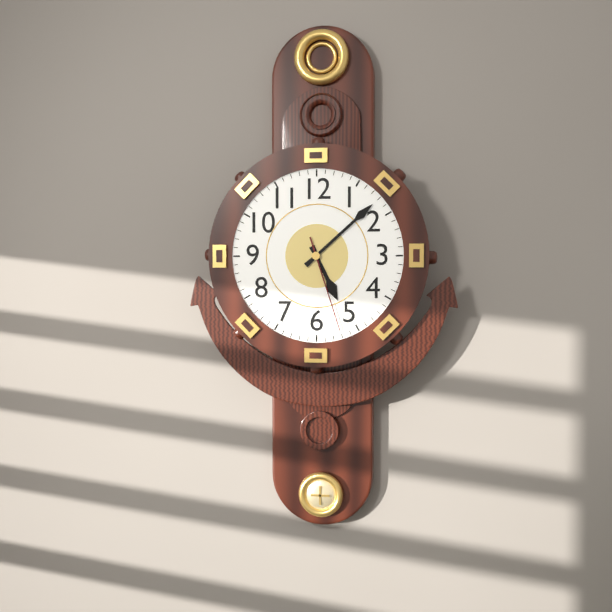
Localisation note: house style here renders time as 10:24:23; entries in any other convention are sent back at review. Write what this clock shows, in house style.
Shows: 5:08:27
